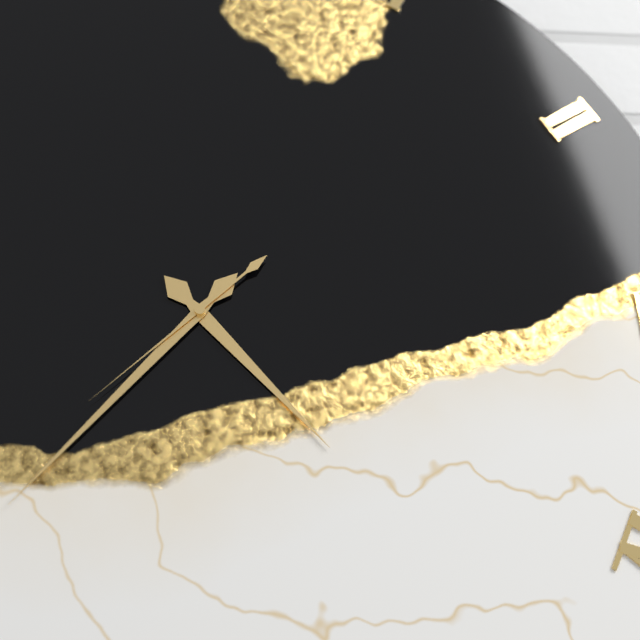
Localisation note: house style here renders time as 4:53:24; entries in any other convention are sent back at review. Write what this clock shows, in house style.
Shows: 4:37:38
